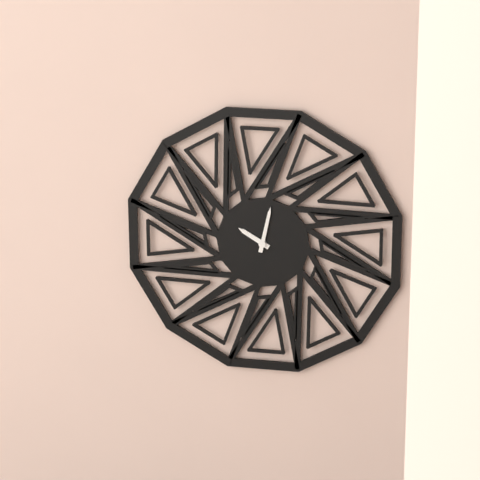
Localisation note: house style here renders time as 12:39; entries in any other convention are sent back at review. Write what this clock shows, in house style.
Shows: 10:02
